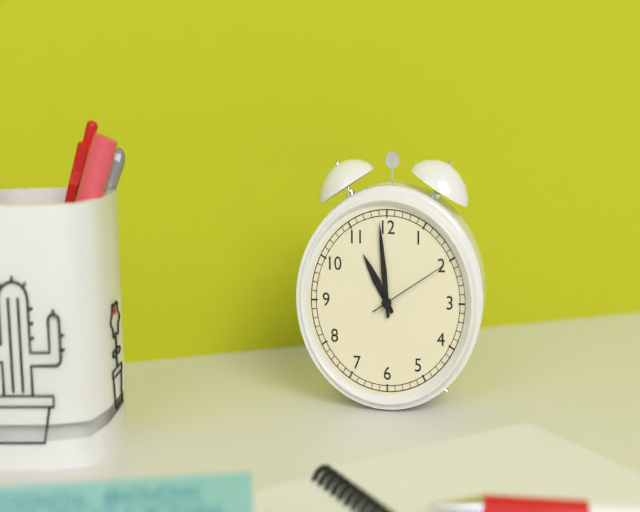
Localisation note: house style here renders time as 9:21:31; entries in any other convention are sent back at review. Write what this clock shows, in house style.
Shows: 10:59:10
